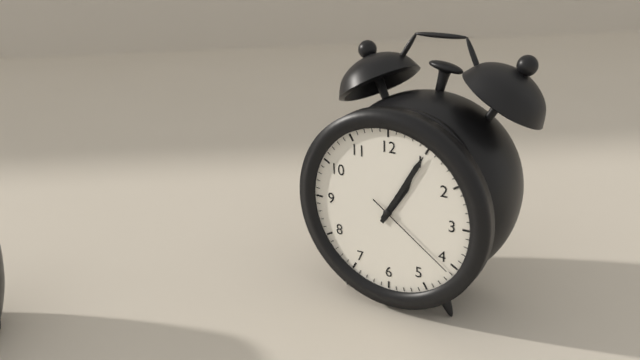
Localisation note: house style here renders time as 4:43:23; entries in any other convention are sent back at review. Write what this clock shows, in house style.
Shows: 1:05:21
